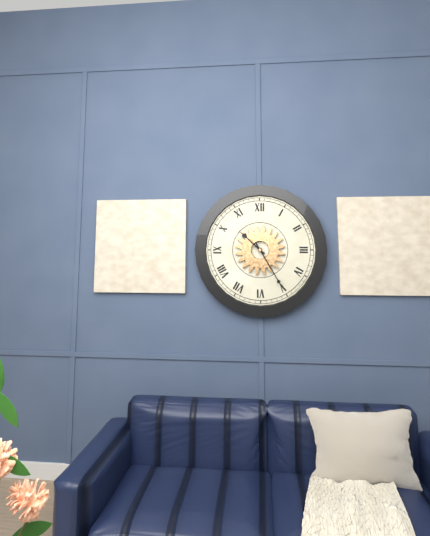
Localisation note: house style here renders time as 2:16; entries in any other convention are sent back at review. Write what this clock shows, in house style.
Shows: 10:25
